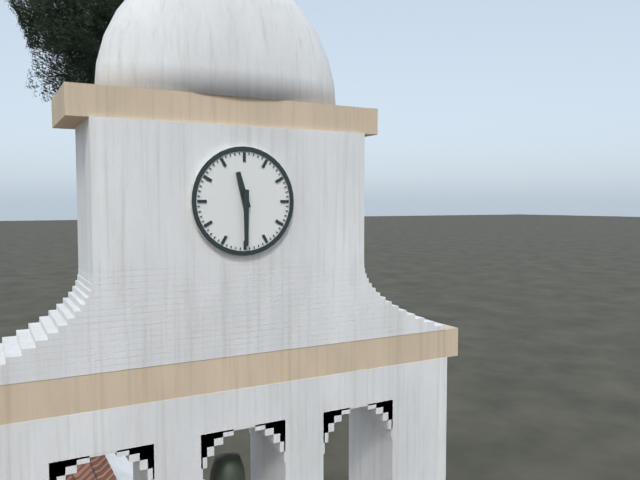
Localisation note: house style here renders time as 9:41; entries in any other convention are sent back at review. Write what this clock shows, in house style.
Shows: 11:30
